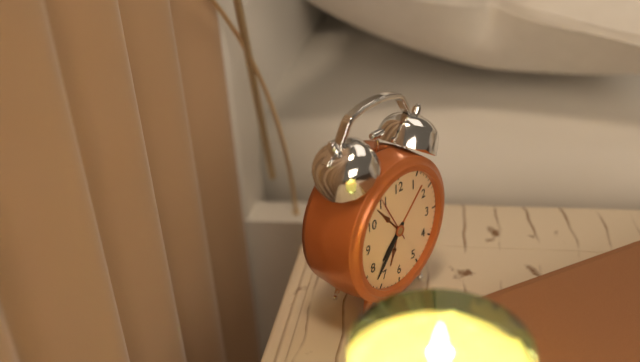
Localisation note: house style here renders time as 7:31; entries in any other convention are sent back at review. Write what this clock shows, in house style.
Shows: 7:37
